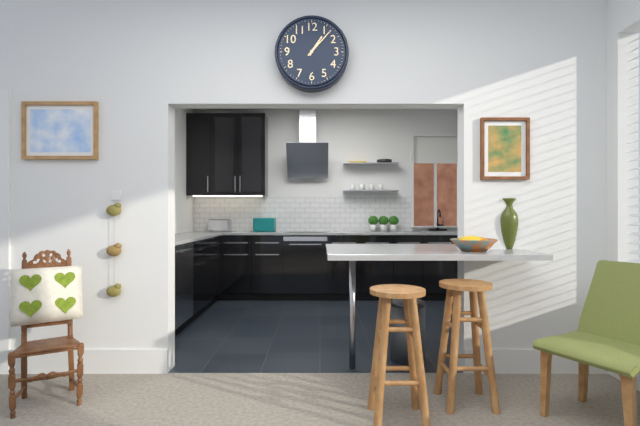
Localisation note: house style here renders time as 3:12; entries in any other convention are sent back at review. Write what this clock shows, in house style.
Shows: 1:07
